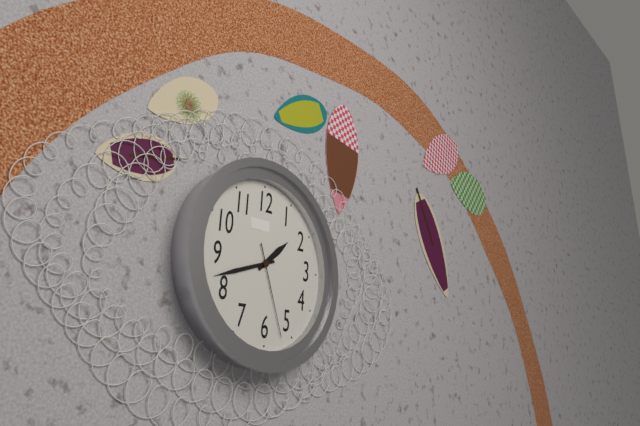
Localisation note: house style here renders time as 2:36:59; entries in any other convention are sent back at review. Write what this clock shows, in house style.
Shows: 1:42:27
